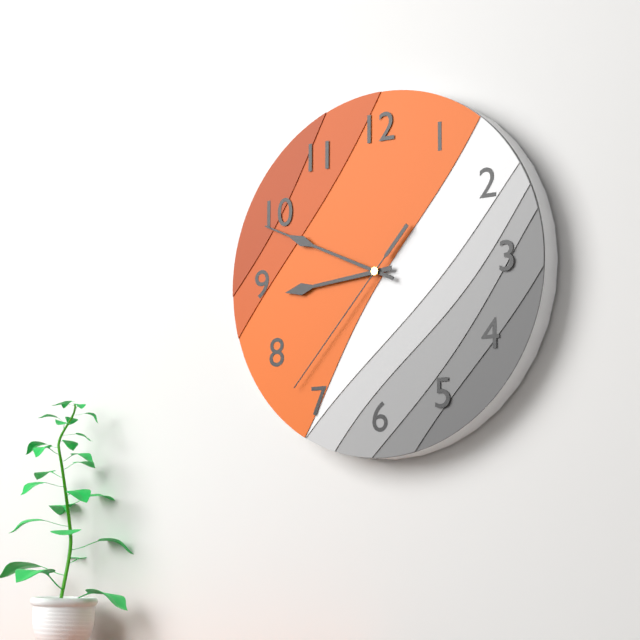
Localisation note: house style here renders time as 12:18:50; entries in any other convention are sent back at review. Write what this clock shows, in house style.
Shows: 8:49:37
